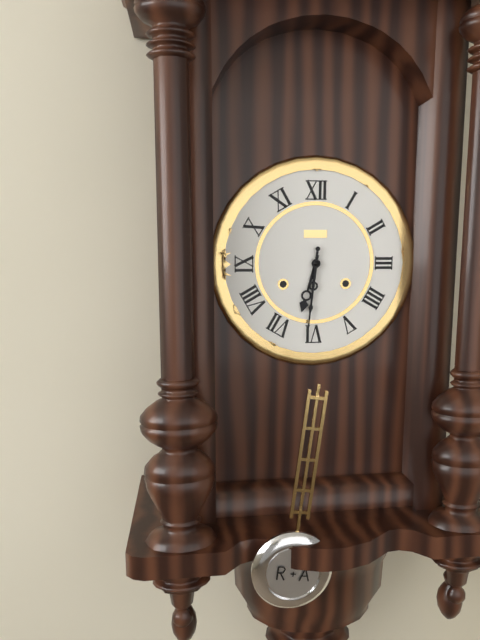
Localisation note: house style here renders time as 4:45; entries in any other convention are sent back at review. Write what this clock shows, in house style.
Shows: 6:31
